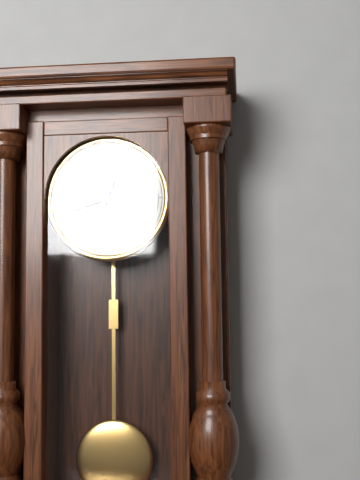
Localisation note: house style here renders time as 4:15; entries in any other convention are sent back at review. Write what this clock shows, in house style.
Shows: 12:42
